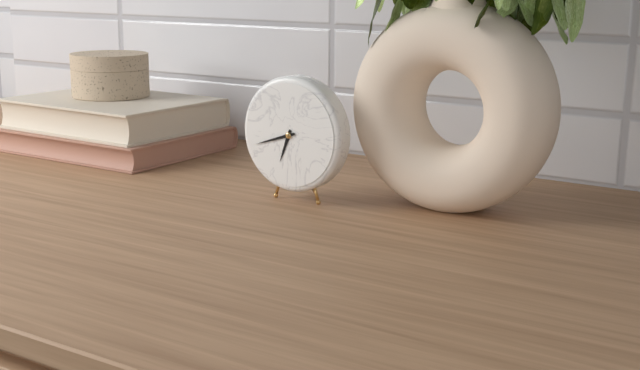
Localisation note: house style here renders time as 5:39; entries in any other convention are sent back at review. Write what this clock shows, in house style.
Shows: 6:42
